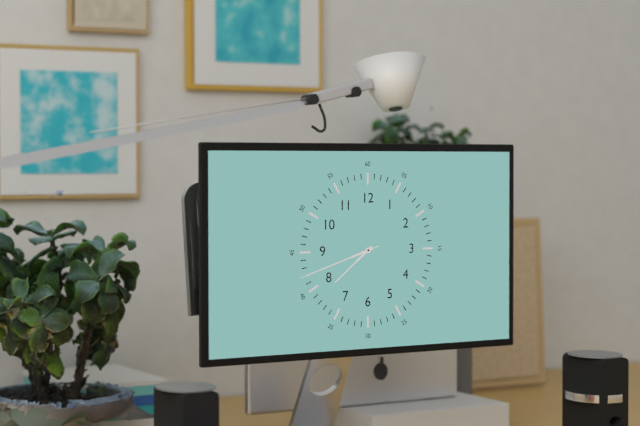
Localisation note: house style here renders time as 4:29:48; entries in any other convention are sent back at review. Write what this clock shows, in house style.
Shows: 7:42:42
